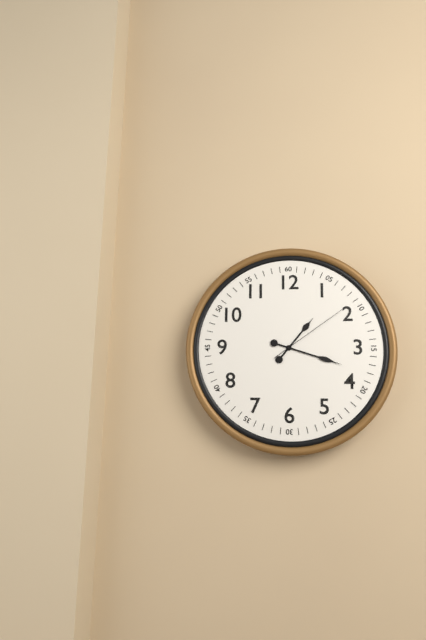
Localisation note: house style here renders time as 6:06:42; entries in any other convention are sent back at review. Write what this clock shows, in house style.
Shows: 1:18:09
